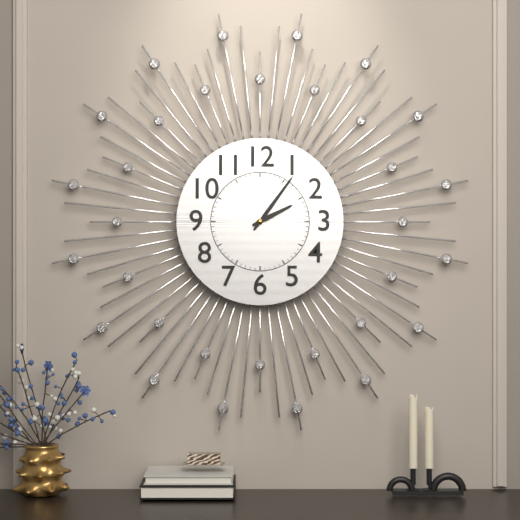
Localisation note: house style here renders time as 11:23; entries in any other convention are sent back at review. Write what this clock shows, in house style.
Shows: 2:06
